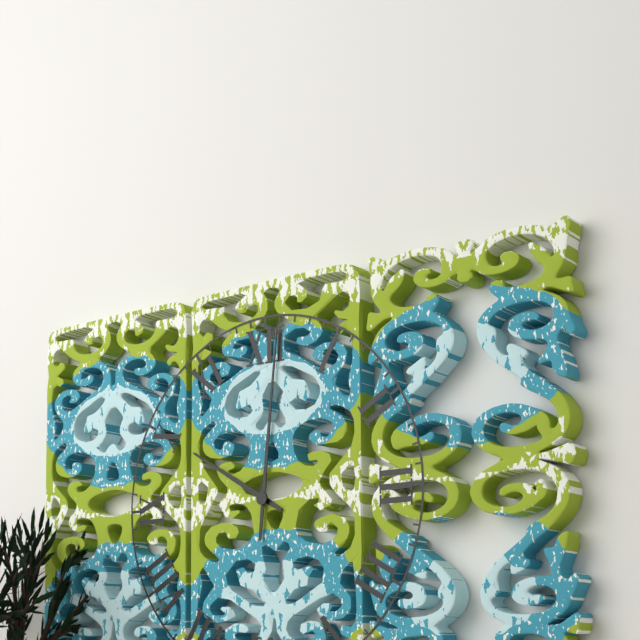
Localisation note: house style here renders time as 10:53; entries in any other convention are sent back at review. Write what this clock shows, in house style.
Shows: 10:01
